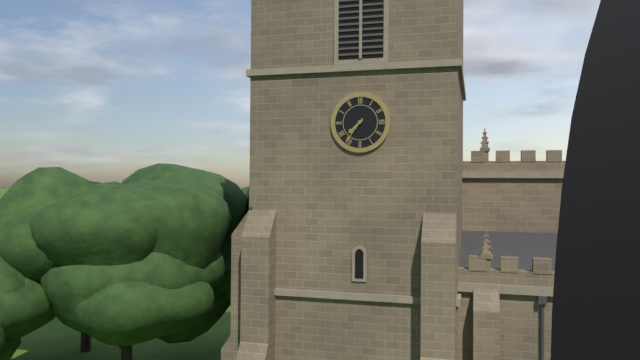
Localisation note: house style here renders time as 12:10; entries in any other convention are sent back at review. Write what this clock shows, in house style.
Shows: 7:36
